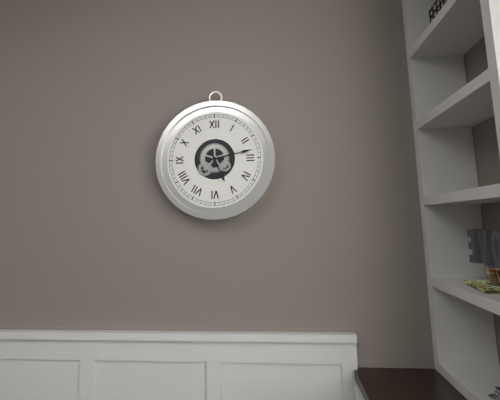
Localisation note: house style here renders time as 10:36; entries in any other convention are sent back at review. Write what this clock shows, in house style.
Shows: 5:13
